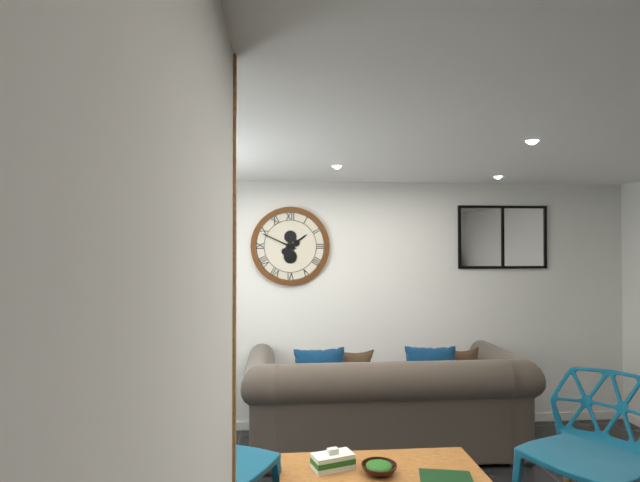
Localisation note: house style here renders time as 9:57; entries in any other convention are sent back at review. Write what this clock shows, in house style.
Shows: 1:49
